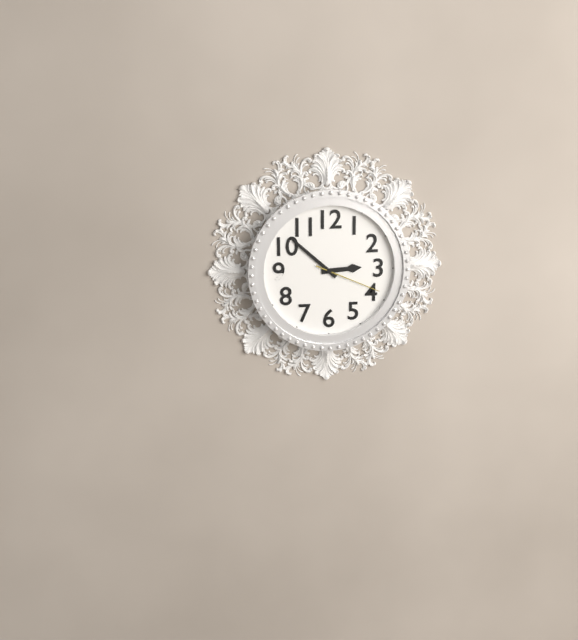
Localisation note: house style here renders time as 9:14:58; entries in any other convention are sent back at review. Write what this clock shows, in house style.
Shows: 2:52:19
